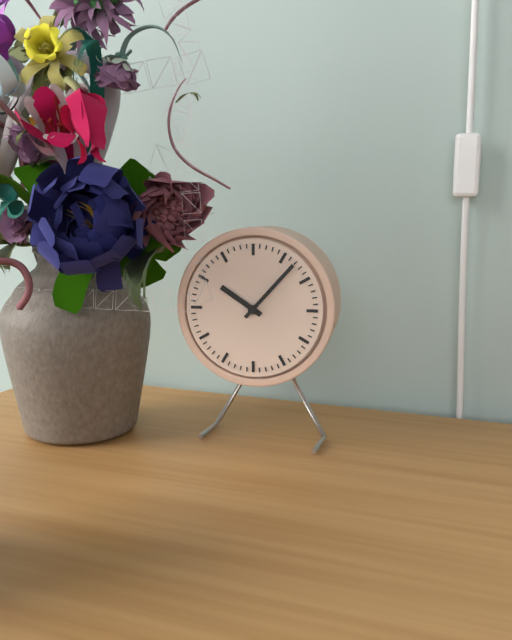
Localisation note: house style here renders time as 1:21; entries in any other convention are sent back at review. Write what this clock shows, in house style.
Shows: 10:07
